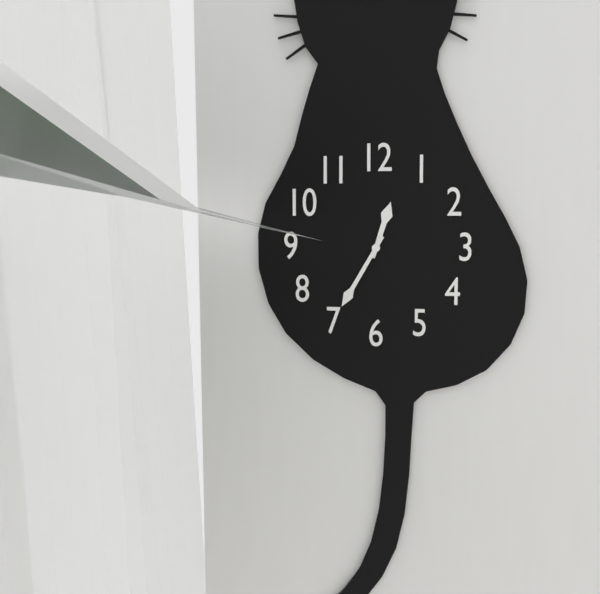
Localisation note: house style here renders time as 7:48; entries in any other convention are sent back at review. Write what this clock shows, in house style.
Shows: 12:35
